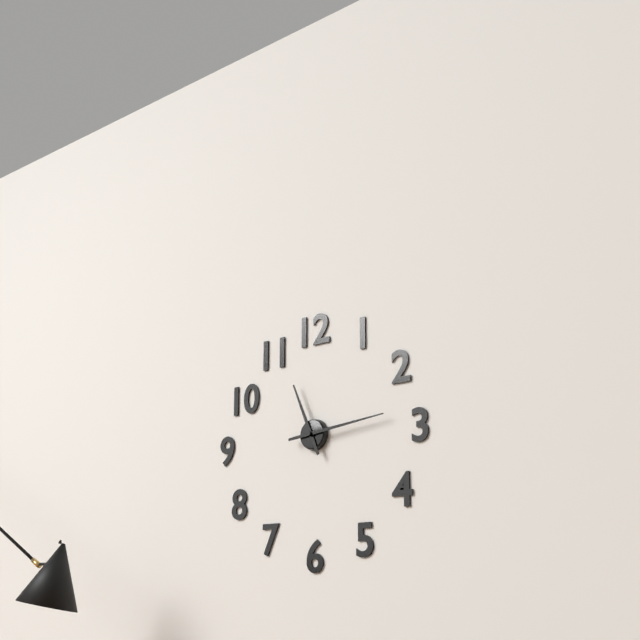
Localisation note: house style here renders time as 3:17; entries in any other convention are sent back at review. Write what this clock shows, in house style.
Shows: 11:14
